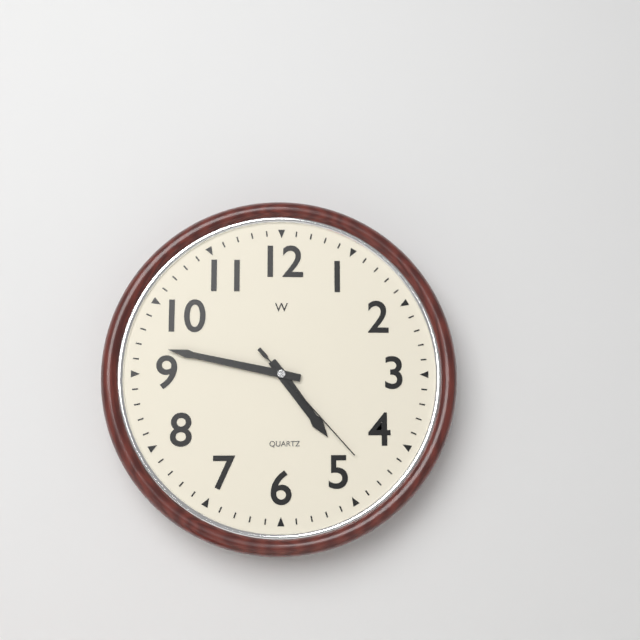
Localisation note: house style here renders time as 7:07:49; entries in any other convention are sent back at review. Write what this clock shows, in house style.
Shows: 4:47:23
